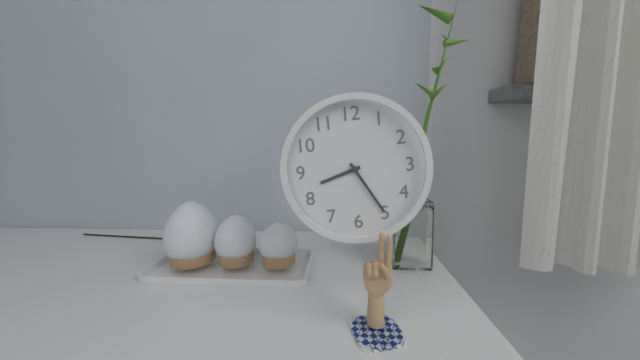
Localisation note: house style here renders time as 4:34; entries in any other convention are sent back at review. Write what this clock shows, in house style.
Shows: 8:25
